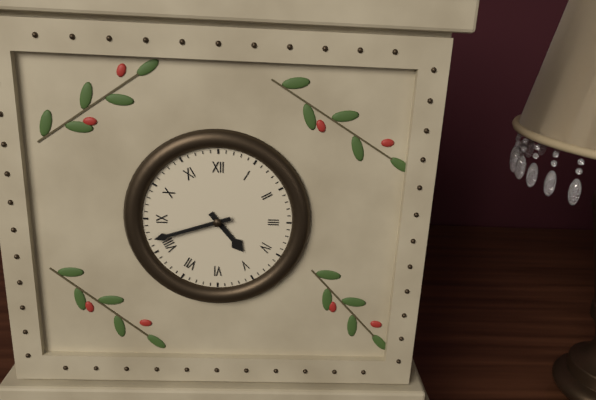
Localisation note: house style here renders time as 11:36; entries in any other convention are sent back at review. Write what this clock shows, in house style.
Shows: 4:42
